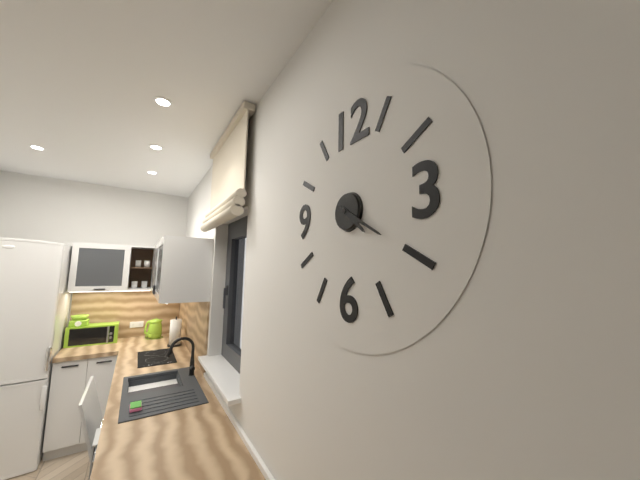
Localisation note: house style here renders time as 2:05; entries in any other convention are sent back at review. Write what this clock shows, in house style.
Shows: 4:20
